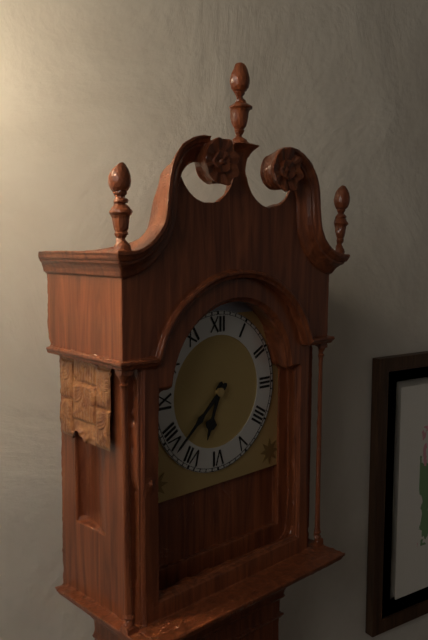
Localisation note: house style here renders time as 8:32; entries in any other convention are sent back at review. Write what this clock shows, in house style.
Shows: 6:38
